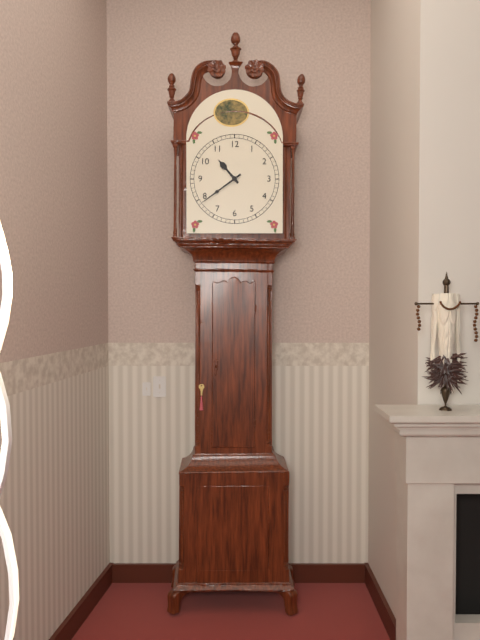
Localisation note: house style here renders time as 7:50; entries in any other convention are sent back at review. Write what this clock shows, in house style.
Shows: 10:39
